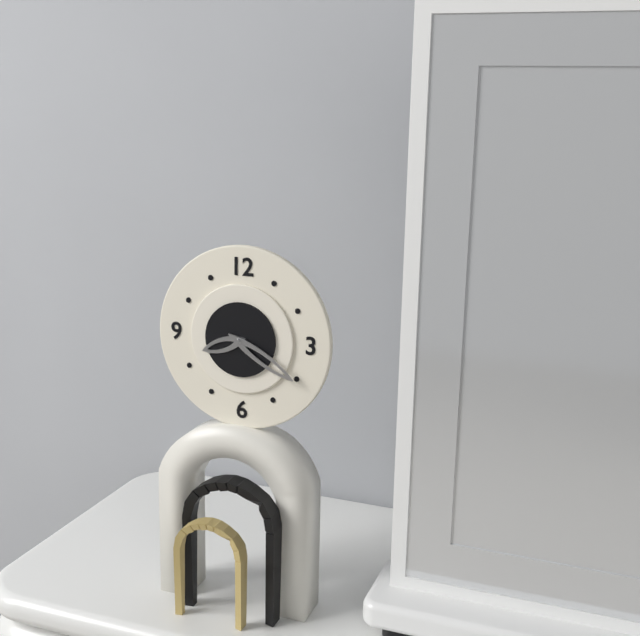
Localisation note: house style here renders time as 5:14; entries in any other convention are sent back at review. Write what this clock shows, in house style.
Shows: 8:20
